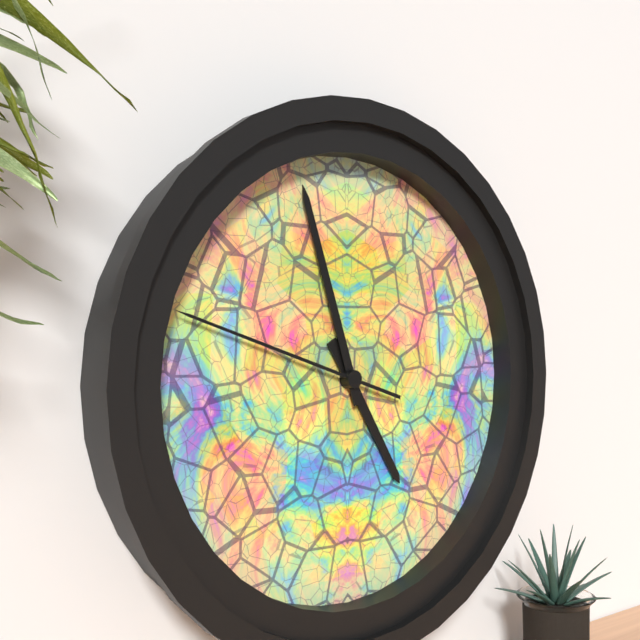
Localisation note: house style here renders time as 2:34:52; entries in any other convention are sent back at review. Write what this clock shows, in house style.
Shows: 4:57:48
